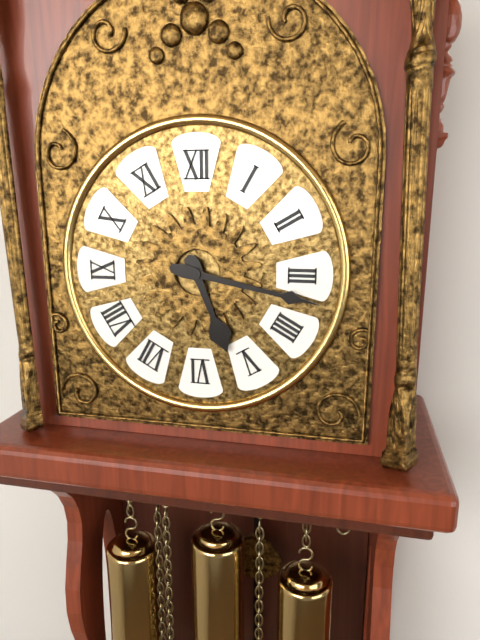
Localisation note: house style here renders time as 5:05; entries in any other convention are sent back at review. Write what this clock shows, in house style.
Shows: 5:17
